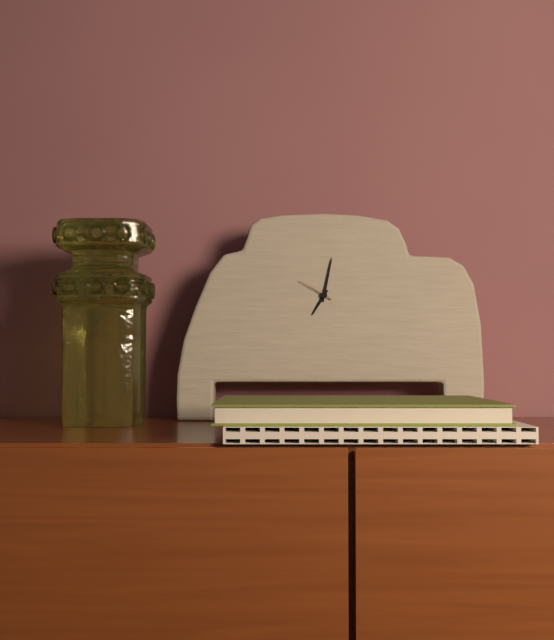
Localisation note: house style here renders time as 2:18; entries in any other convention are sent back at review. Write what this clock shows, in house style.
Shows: 7:02
